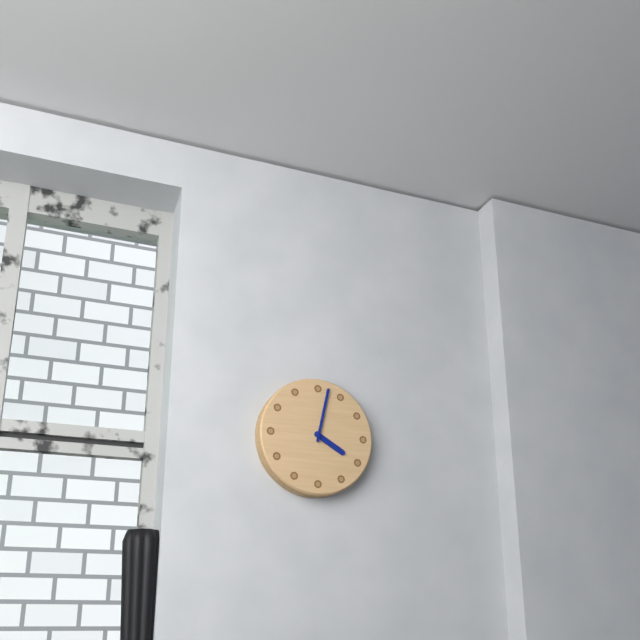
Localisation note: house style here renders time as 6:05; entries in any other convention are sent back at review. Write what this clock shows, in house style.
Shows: 4:02
